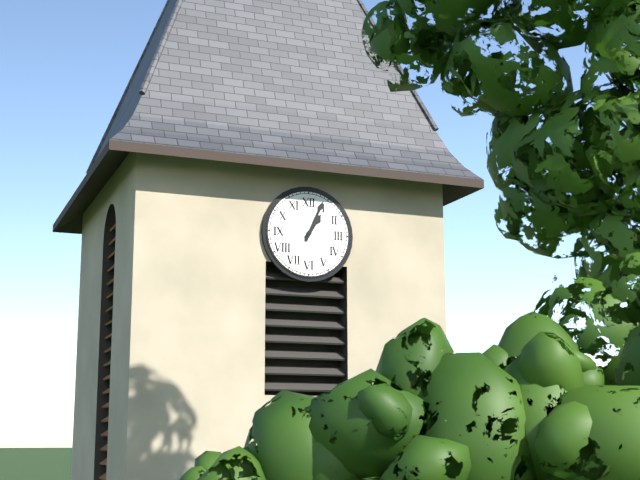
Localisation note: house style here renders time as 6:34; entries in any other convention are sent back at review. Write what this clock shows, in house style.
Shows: 1:04
